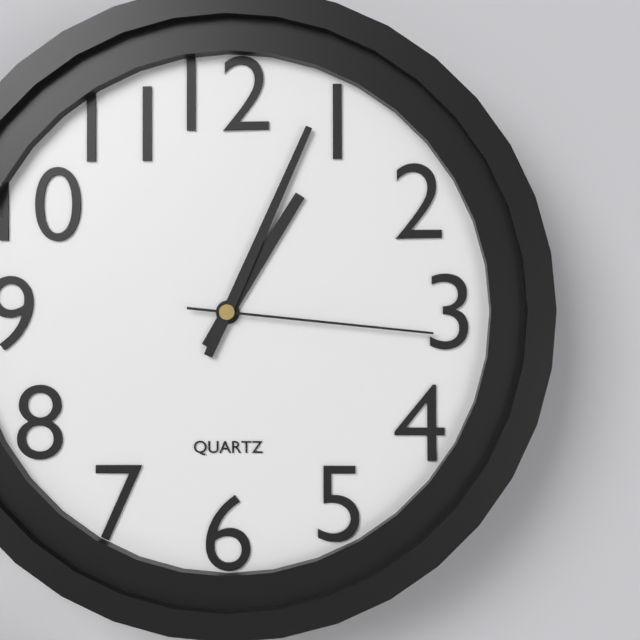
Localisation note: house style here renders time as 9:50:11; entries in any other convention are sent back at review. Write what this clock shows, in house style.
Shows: 1:04:16
